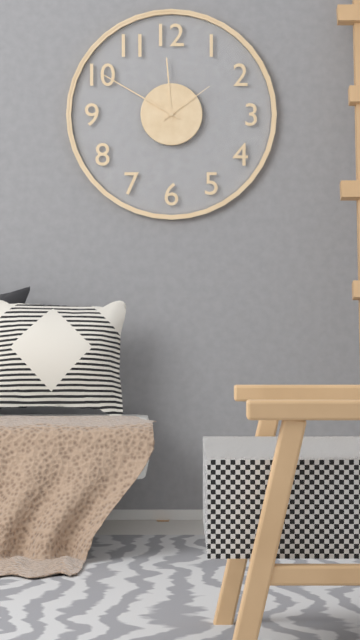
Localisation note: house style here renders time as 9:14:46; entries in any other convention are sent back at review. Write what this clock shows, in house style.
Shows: 11:50:09
